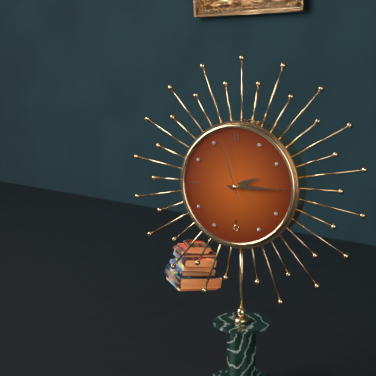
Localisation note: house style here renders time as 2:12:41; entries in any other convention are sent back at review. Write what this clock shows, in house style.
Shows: 2:15:57
